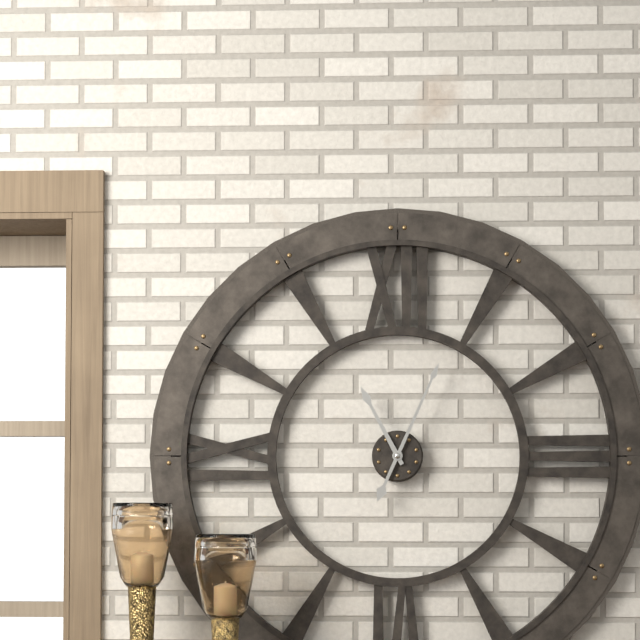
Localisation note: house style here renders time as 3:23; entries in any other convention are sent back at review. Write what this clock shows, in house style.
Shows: 11:04
